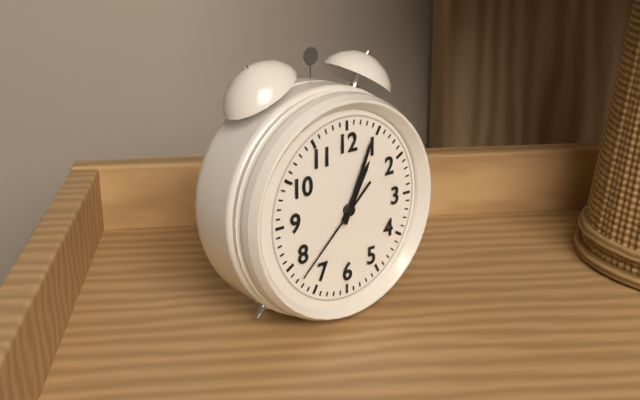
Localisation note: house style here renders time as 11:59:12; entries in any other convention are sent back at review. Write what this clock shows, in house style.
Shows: 1:04:38
